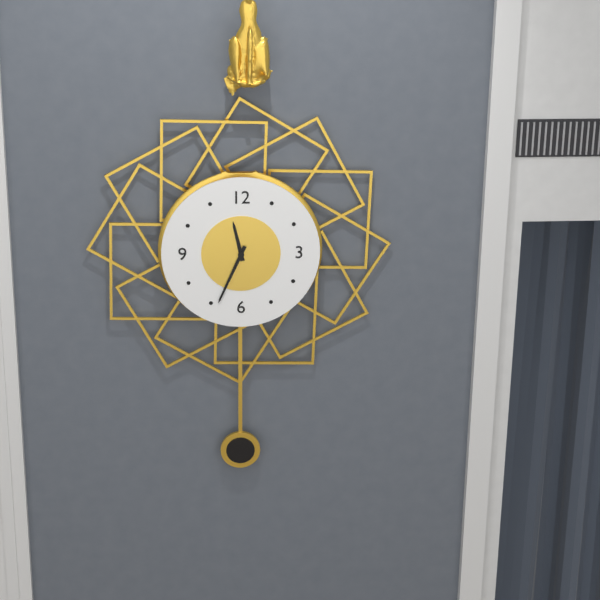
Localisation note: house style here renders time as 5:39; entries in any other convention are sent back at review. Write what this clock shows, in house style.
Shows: 11:34
